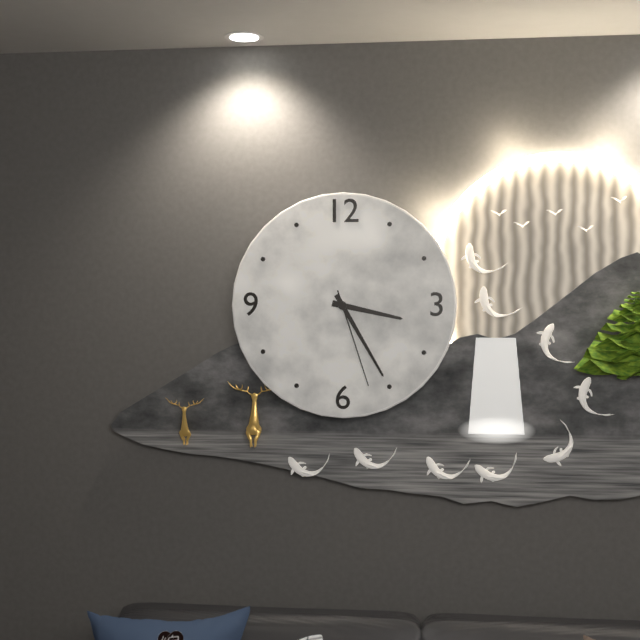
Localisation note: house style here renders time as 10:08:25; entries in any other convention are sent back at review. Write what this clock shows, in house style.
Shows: 3:25:27
